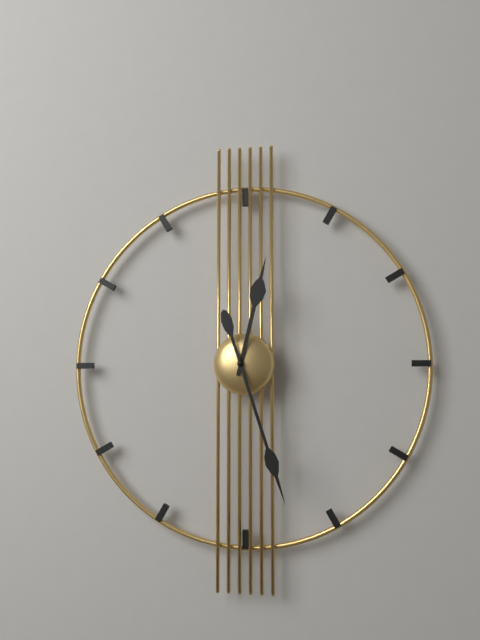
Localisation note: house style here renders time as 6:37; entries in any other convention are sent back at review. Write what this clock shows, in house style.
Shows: 12:27
